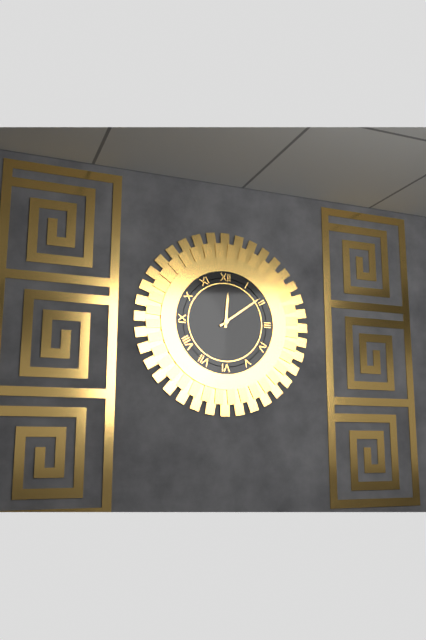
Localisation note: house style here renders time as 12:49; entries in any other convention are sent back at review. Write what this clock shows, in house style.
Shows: 12:09
